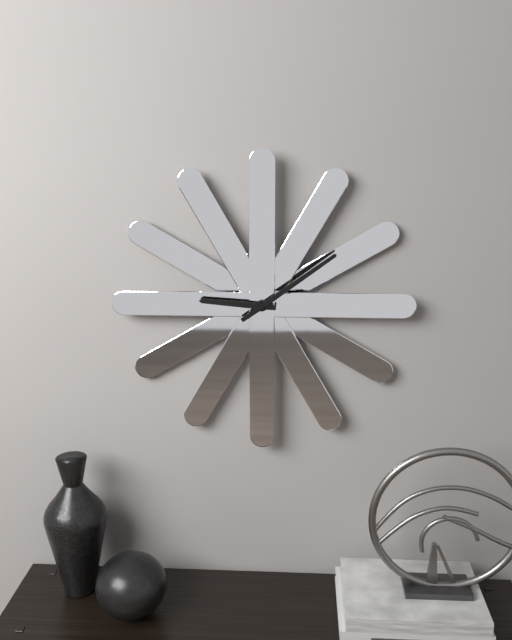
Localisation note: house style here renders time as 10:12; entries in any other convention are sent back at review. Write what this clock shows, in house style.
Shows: 9:09
